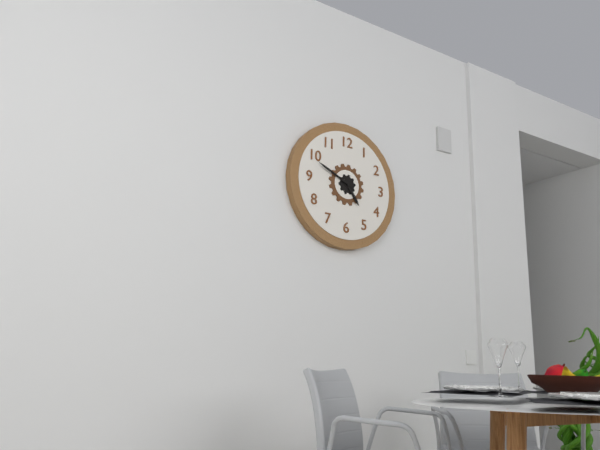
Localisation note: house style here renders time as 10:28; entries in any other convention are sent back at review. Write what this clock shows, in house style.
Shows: 4:49
